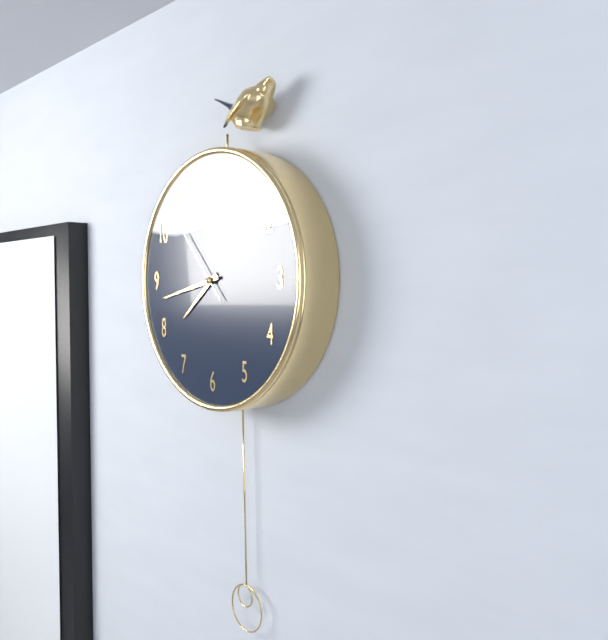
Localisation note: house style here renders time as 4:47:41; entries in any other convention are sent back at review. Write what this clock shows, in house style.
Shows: 7:43:53
